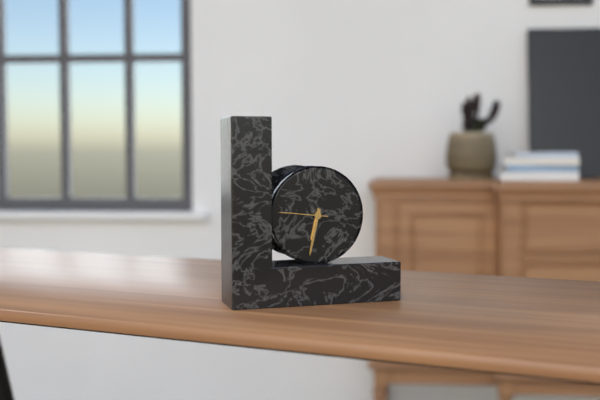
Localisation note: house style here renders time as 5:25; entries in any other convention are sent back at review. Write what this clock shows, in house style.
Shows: 6:32
